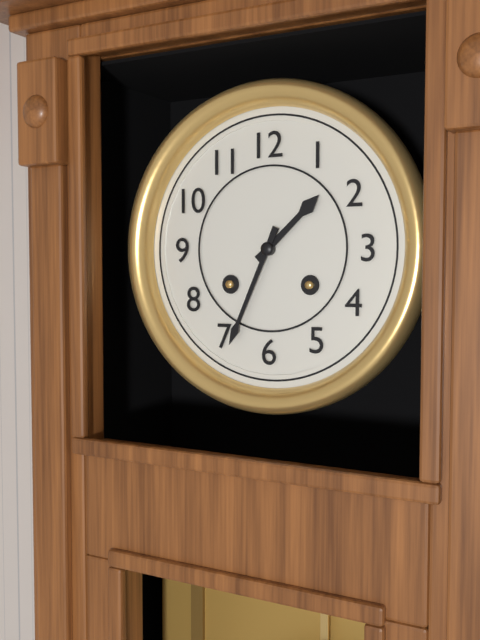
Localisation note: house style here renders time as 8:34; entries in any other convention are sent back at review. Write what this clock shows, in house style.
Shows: 1:34
